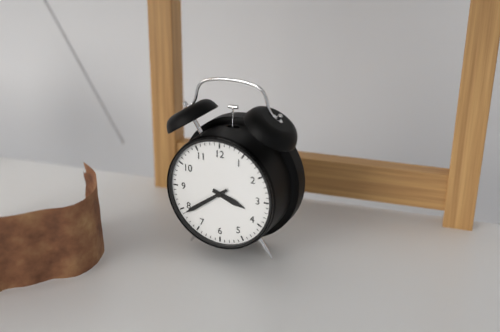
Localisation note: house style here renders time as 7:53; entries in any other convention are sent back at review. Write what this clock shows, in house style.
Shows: 3:39
